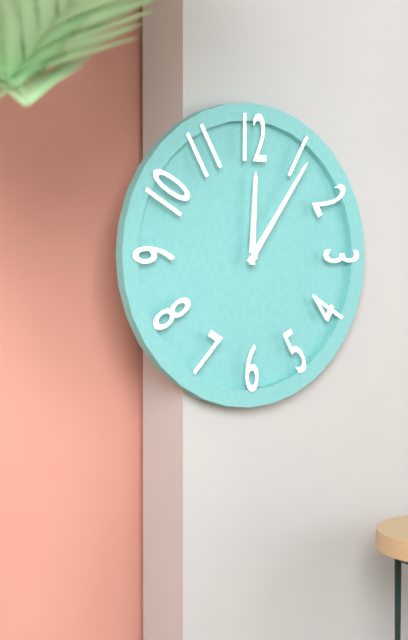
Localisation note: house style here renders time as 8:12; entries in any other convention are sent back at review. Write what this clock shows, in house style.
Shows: 12:06
